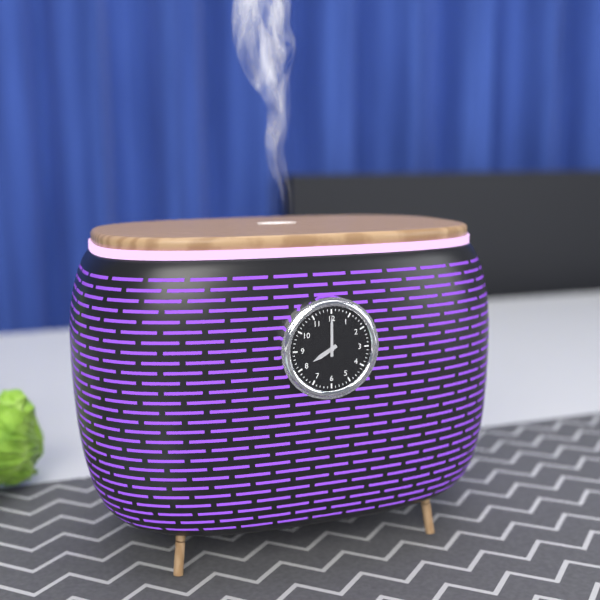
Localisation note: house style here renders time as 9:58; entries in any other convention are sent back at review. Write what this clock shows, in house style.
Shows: 8:00
